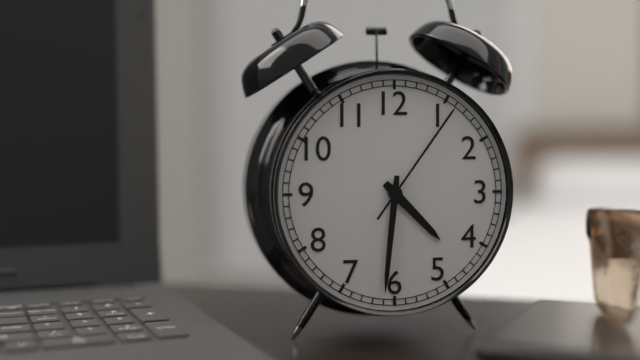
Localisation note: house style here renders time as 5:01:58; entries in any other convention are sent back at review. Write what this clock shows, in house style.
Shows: 4:31:06
